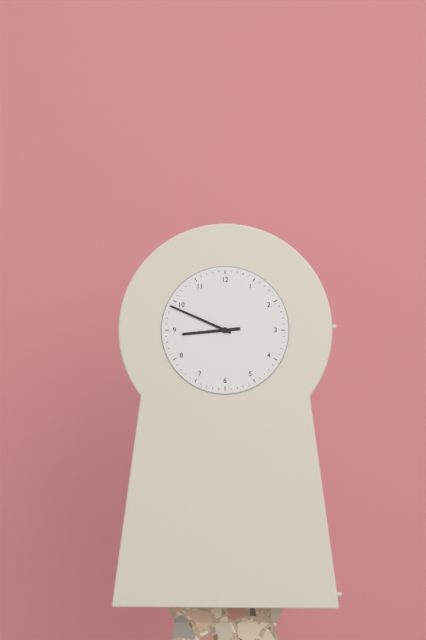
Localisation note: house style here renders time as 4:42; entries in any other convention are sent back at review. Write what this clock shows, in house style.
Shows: 8:49
